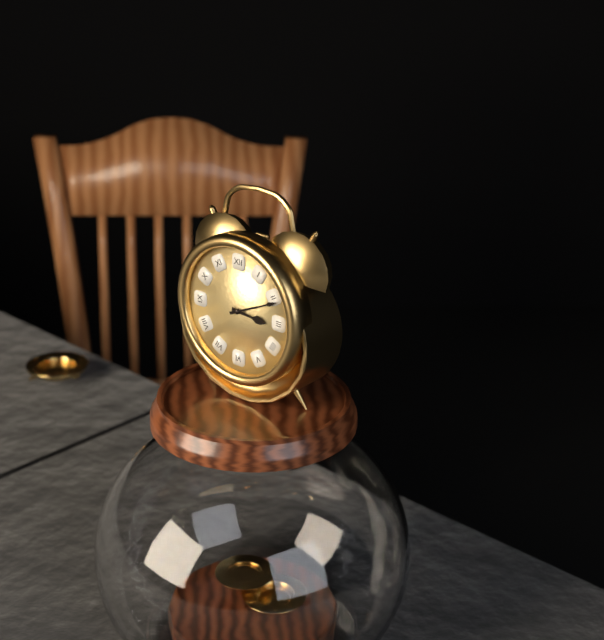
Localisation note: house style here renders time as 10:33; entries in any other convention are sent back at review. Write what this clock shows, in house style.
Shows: 3:11
